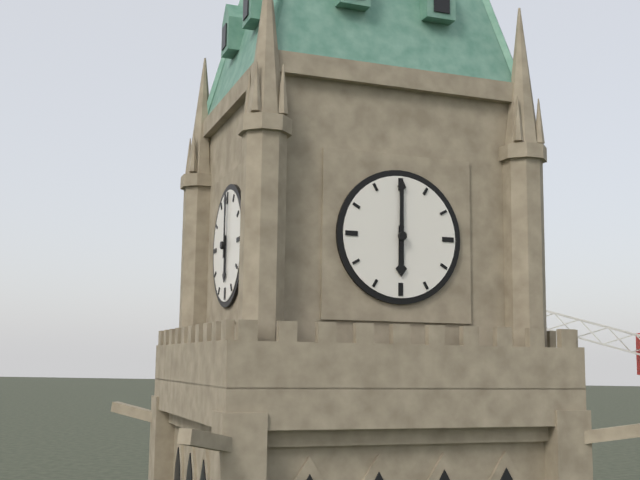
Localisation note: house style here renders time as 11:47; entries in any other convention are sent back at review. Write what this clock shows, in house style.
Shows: 6:00
